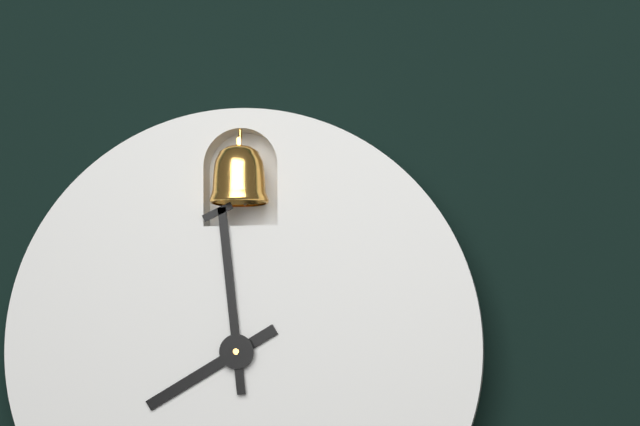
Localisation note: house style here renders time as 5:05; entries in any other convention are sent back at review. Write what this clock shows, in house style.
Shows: 7:59
